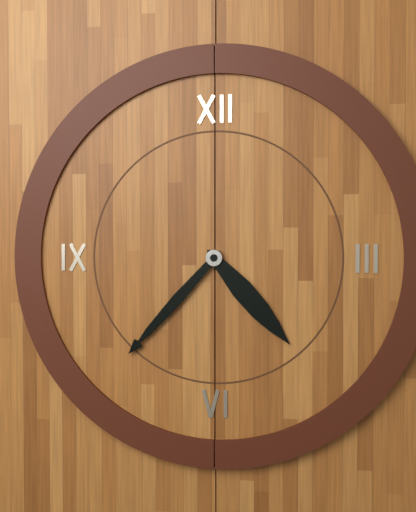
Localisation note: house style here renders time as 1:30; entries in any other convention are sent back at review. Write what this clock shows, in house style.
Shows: 4:37
